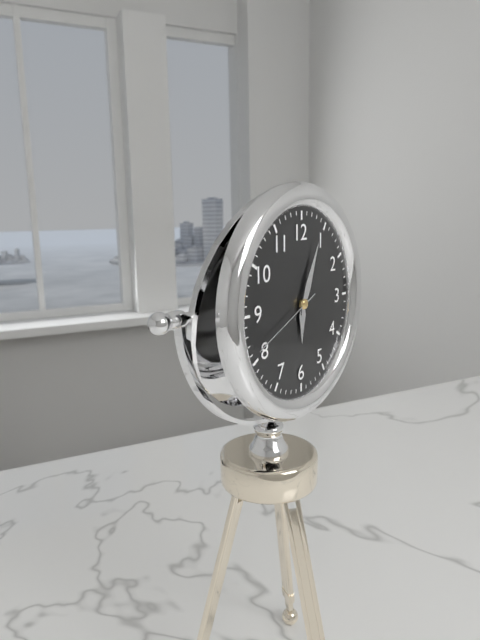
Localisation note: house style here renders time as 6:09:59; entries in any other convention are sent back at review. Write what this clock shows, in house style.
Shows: 6:04:41
